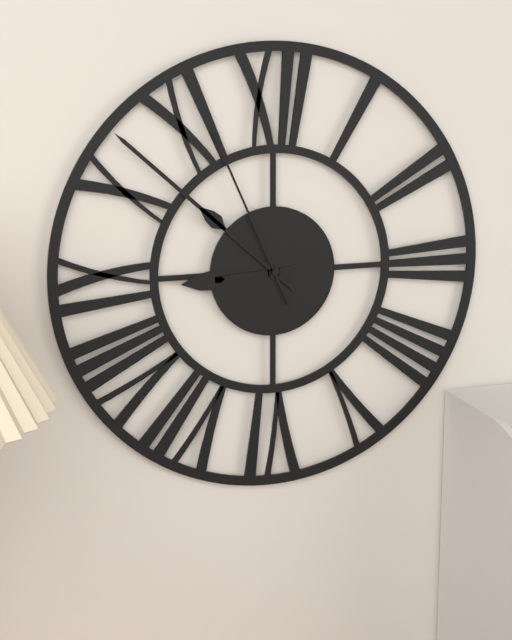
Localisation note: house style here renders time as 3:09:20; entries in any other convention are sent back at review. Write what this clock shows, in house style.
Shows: 8:52:56
